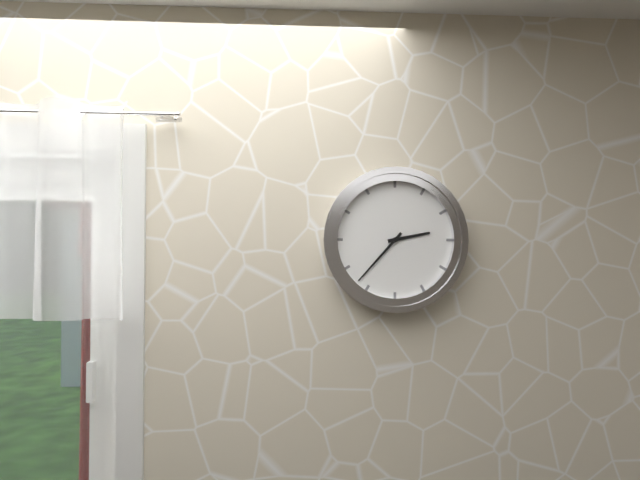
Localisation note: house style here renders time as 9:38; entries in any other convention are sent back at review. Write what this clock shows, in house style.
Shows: 2:37
